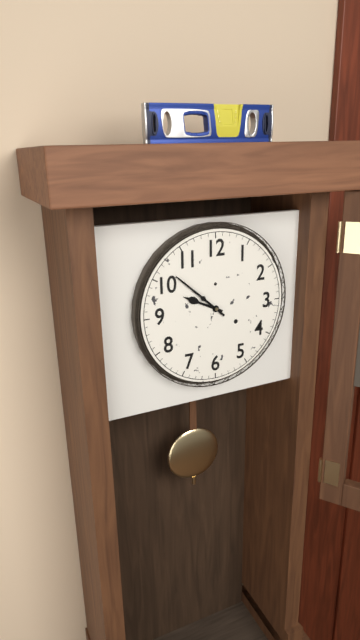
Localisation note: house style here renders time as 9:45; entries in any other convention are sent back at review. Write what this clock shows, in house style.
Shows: 9:52
